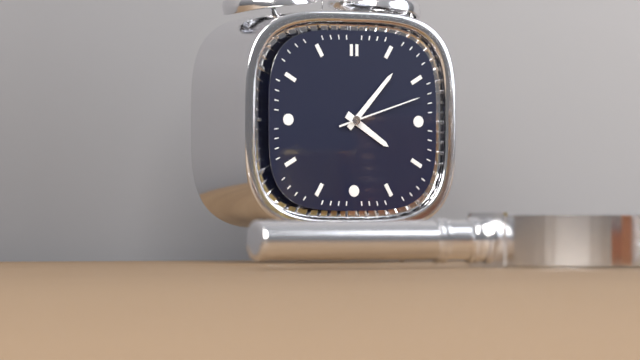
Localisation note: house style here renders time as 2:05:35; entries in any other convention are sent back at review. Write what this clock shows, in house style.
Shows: 4:07:12
